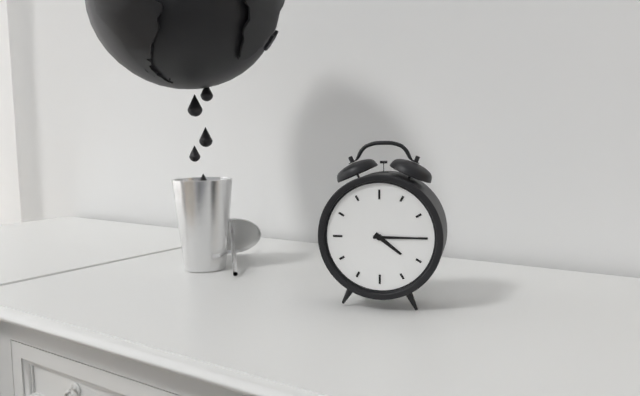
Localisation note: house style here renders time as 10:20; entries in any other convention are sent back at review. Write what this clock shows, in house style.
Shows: 4:15
